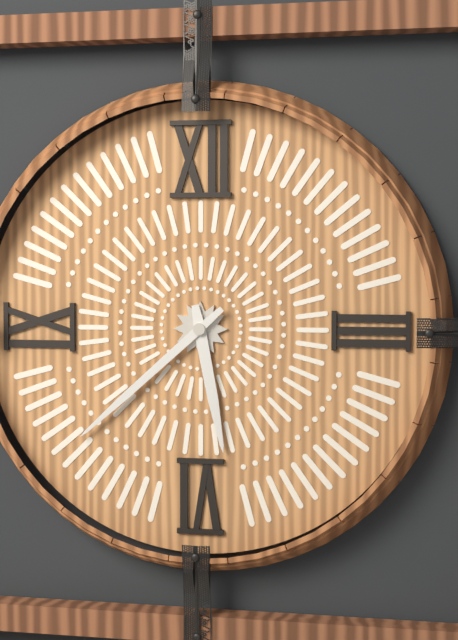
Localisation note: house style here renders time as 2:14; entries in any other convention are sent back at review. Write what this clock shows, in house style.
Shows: 5:38
